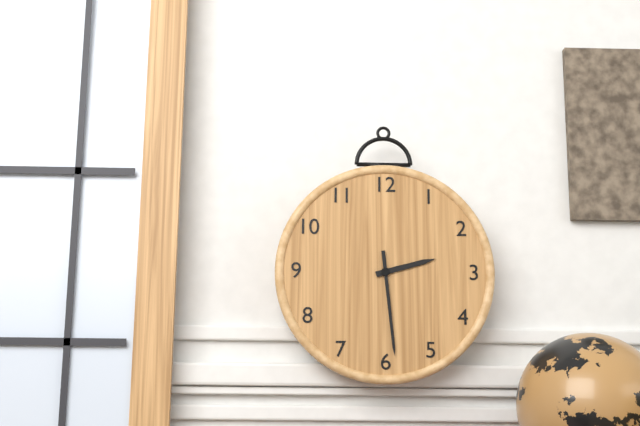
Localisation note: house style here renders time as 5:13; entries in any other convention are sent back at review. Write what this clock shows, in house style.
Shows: 2:29
